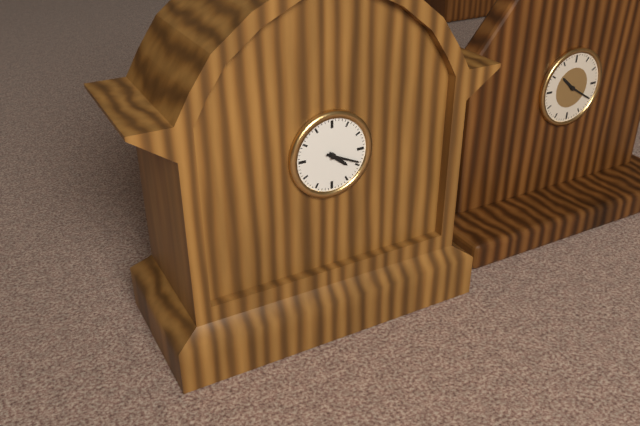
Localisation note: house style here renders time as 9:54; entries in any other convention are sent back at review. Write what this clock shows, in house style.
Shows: 4:19
